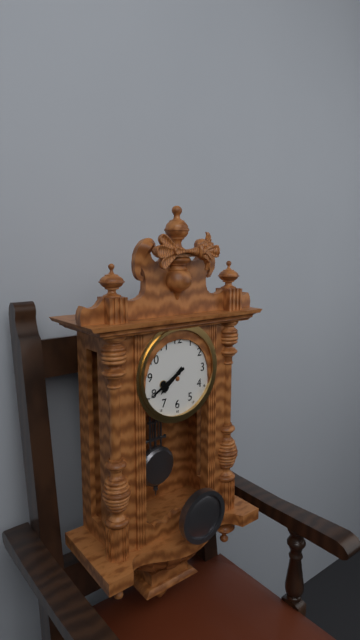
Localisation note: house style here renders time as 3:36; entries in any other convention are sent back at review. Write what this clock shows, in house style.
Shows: 7:40
